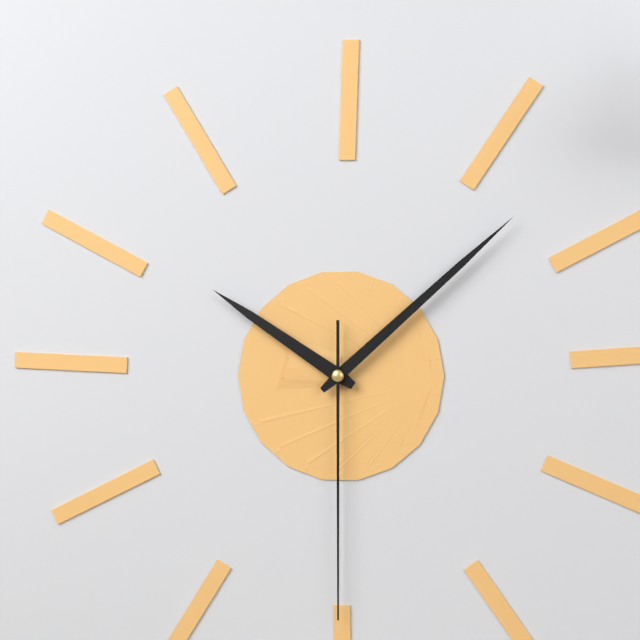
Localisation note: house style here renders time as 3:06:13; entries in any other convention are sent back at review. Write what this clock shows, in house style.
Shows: 10:08:30
